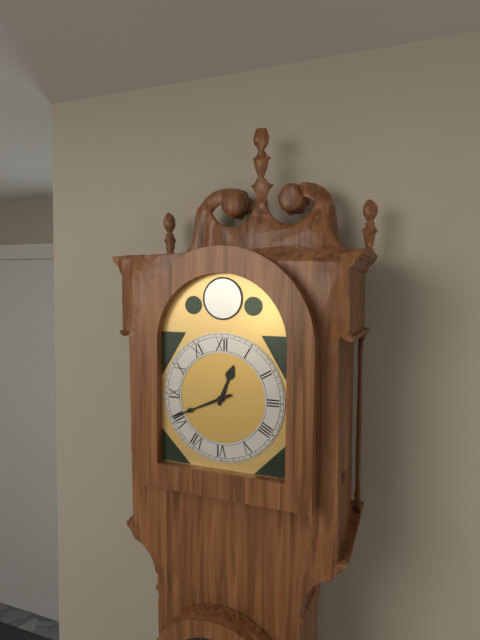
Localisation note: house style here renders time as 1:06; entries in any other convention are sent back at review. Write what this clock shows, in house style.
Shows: 12:41
